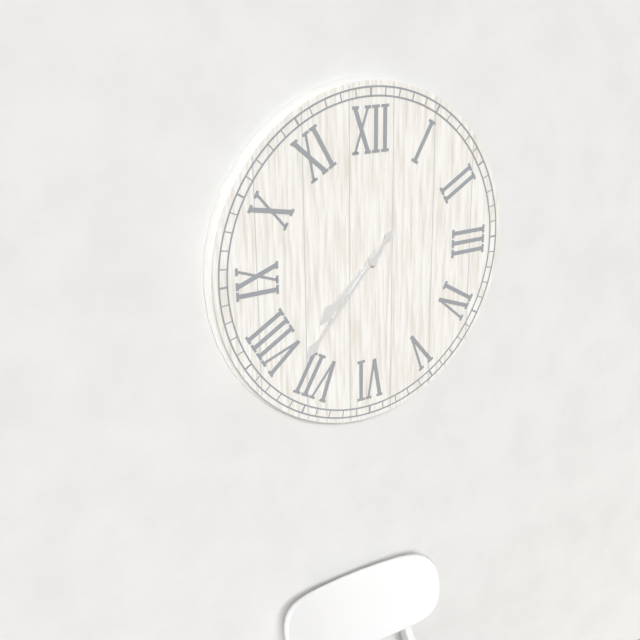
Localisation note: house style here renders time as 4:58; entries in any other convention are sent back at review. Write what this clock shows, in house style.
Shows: 7:37
